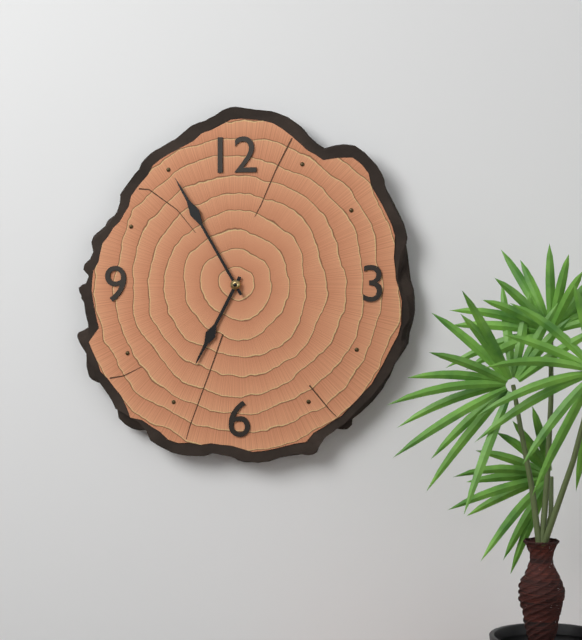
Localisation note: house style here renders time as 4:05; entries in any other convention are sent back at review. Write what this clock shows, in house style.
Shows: 6:55
